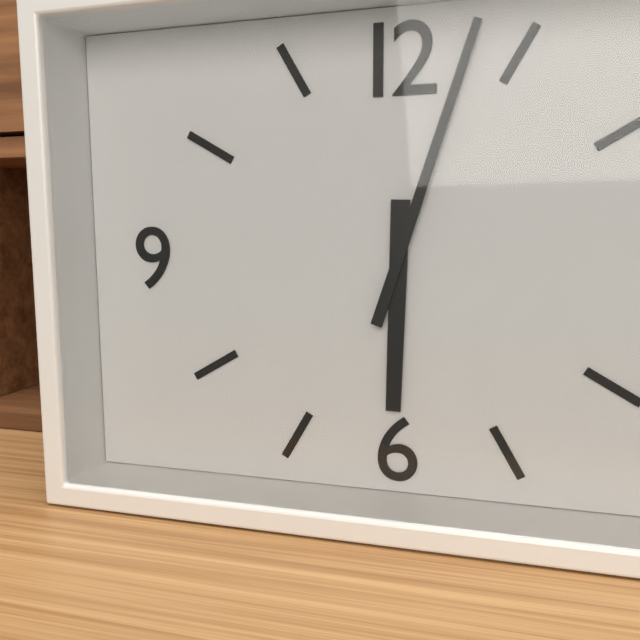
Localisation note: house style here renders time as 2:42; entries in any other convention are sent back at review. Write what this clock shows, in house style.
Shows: 6:03
